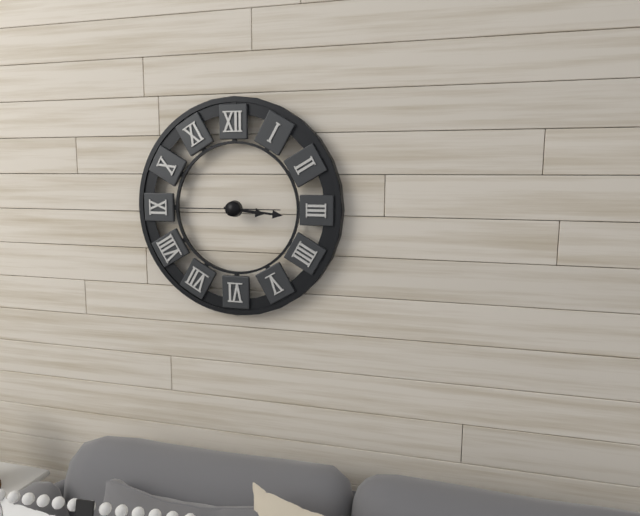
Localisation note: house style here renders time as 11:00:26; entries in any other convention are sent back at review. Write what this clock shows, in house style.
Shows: 3:16:45
